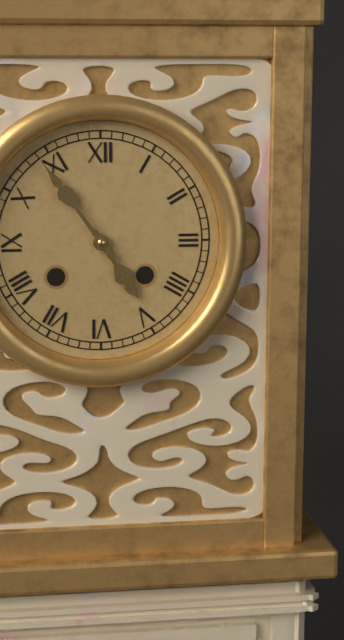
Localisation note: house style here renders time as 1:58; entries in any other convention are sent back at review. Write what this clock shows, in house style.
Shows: 4:54
